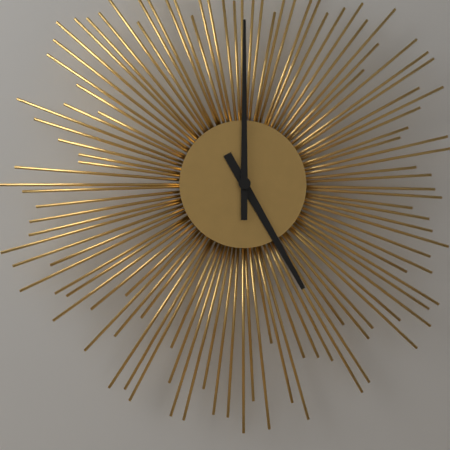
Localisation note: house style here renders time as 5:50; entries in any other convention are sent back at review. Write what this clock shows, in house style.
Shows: 5:00
